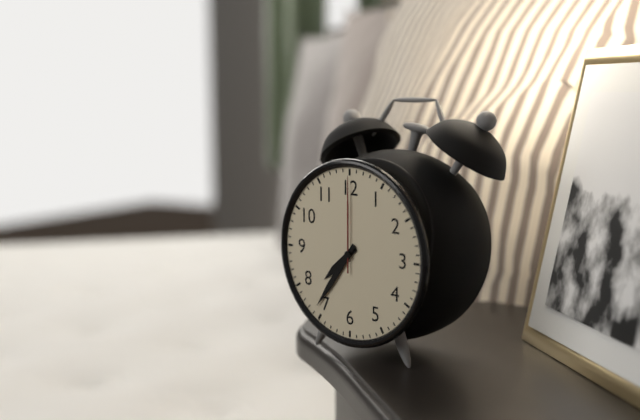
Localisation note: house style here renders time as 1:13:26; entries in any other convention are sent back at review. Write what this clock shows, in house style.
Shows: 7:36:00
